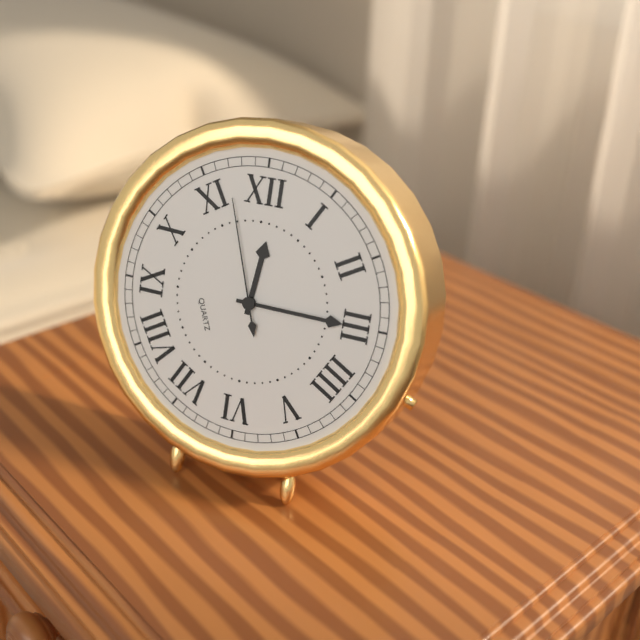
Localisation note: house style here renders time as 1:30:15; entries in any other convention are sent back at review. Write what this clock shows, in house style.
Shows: 12:15:57
